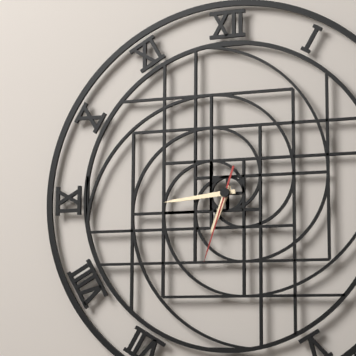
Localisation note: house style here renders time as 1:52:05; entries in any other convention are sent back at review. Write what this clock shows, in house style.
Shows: 6:44:33
